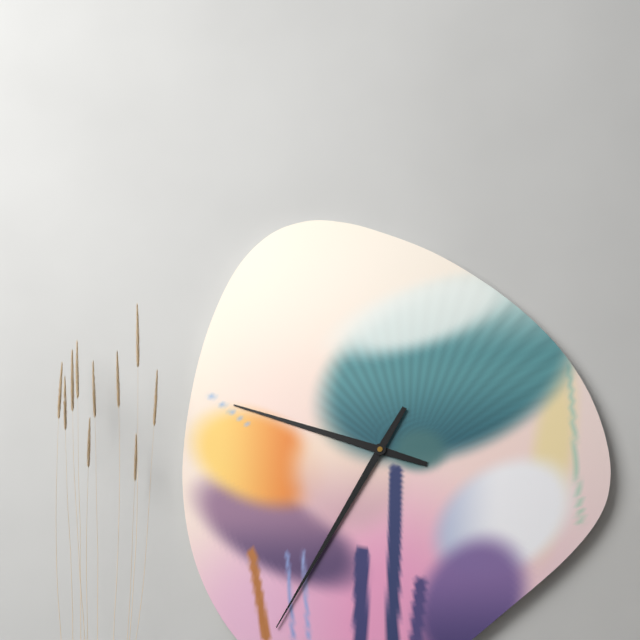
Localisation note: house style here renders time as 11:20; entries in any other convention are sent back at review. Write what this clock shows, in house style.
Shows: 9:35
